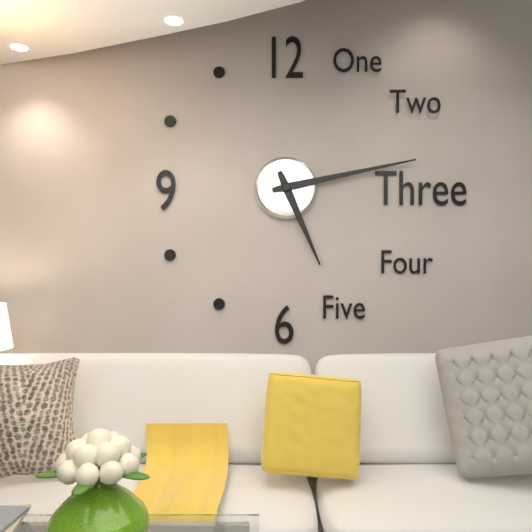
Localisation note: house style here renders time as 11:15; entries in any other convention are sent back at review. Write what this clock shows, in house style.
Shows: 5:13
